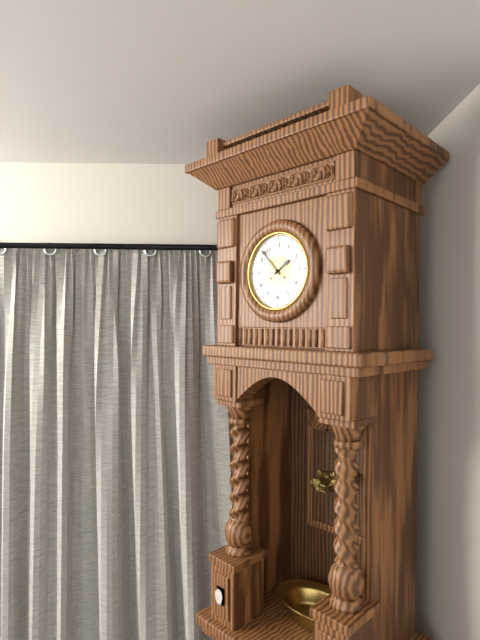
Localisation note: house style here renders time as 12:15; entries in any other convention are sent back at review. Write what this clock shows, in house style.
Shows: 1:53
